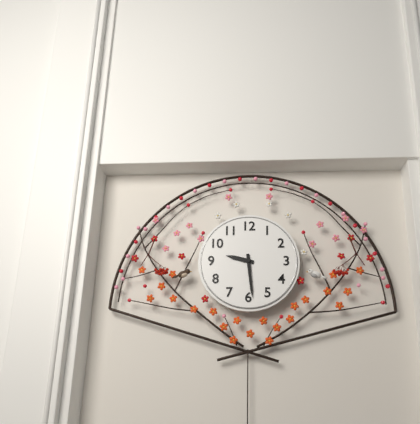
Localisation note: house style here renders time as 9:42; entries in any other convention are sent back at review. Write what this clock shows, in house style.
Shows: 9:29
